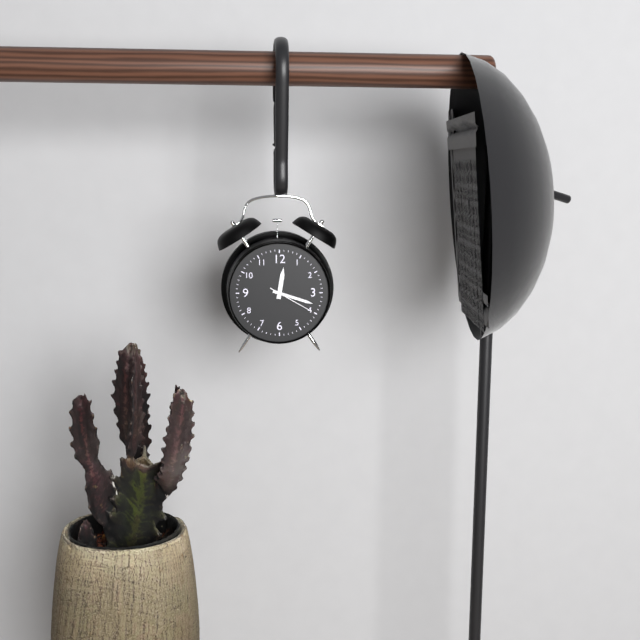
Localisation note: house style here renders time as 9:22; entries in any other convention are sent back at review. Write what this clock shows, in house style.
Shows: 12:18
